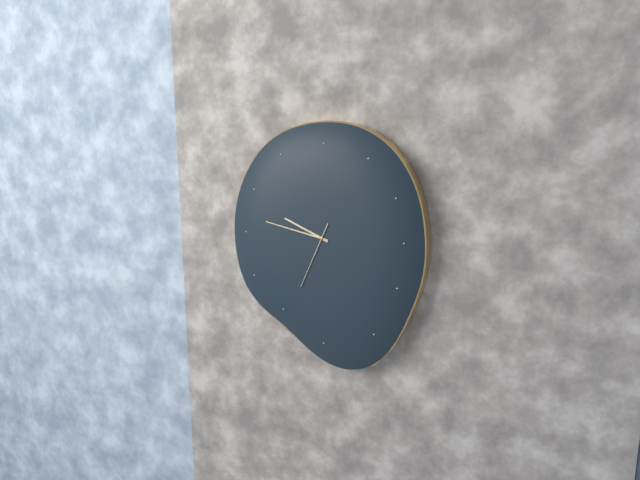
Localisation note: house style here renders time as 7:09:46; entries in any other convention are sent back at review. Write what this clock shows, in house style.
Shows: 9:47:34
